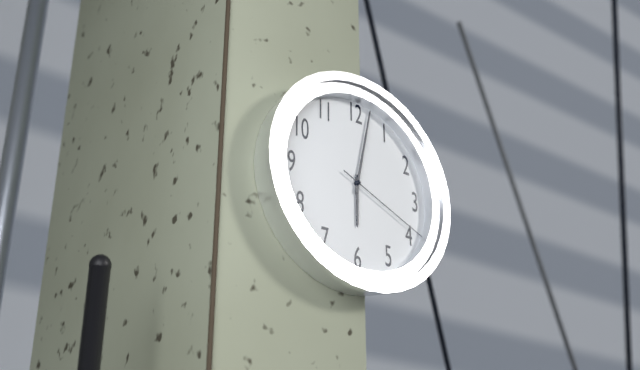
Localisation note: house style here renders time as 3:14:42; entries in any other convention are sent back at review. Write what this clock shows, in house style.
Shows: 6:02:19
